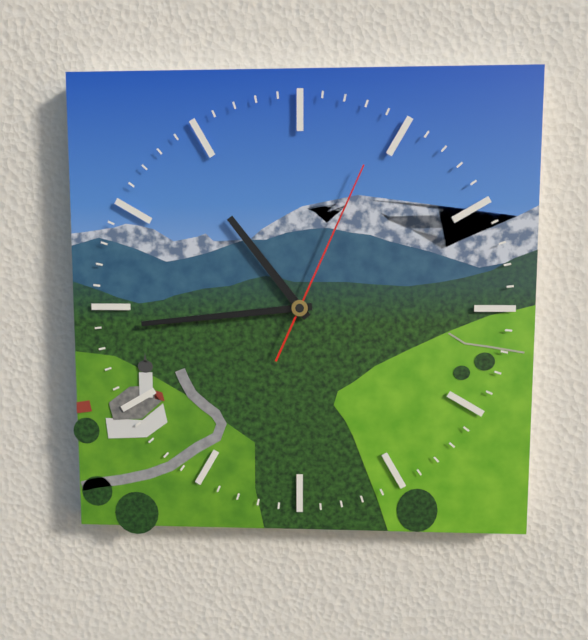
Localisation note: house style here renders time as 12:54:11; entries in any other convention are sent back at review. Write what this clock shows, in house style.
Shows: 10:44:04
